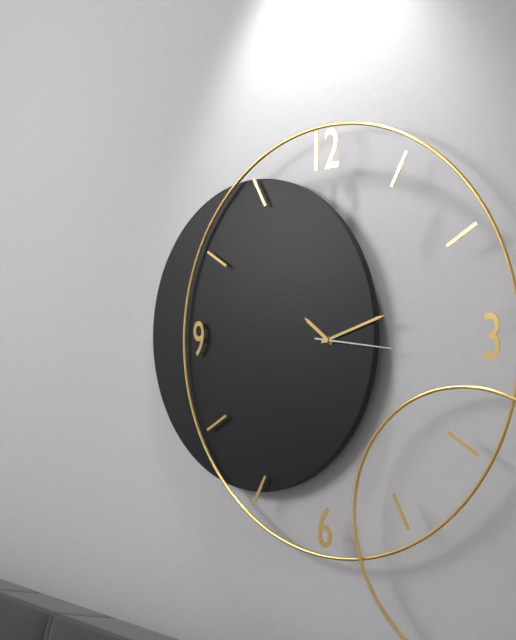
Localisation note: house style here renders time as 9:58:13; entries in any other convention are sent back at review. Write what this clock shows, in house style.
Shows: 10:12:16
